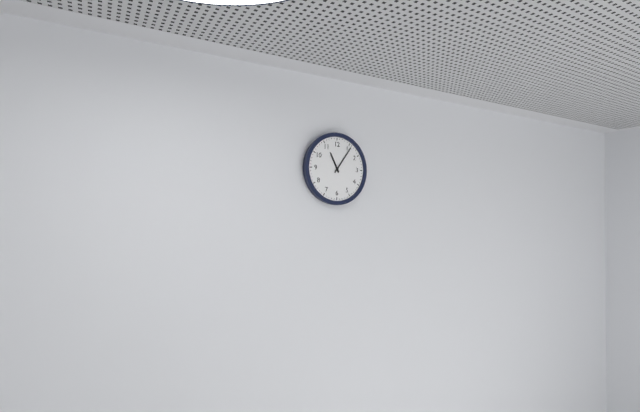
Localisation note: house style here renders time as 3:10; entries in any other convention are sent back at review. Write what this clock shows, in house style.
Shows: 11:06
